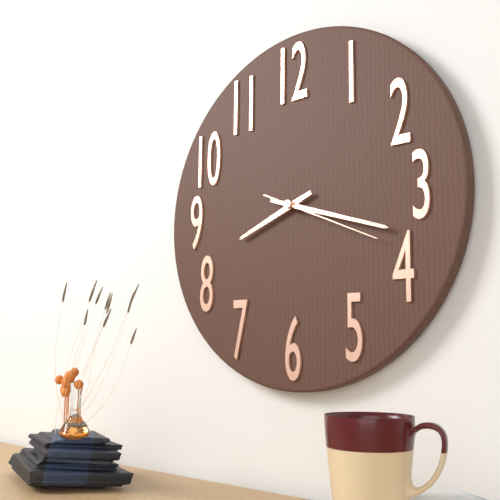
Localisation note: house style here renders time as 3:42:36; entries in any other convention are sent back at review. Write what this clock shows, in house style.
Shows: 8:18:19
